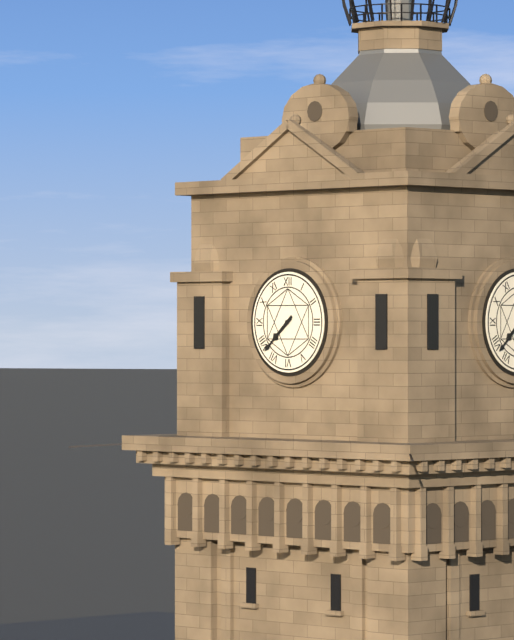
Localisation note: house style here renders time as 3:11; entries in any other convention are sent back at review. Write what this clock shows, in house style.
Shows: 7:38
